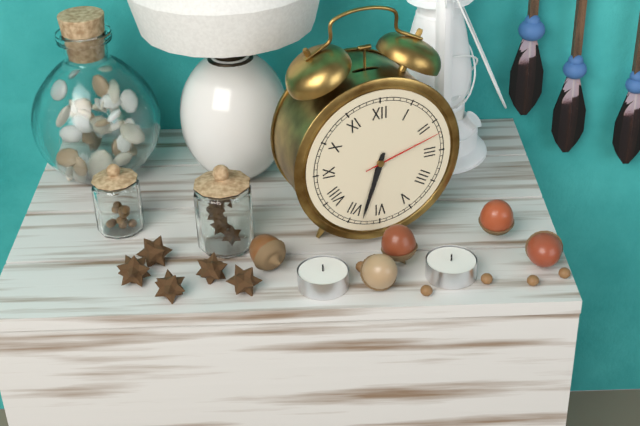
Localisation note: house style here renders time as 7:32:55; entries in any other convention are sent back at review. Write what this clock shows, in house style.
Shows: 6:33:12
